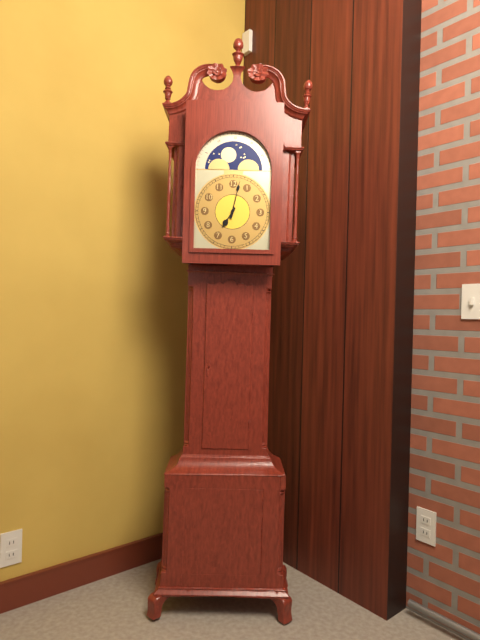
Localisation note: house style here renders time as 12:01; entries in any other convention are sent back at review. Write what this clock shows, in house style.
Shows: 7:02
